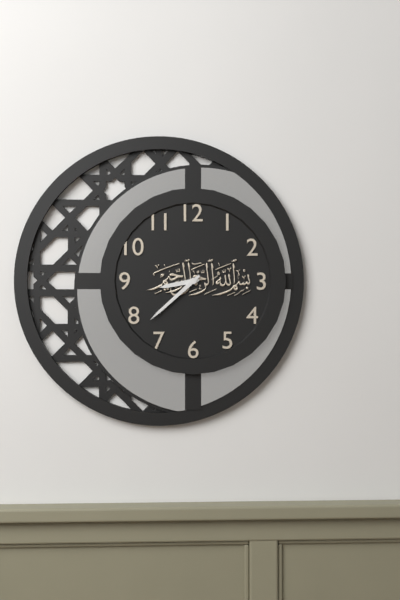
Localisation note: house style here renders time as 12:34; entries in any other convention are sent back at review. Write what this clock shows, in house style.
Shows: 8:38
